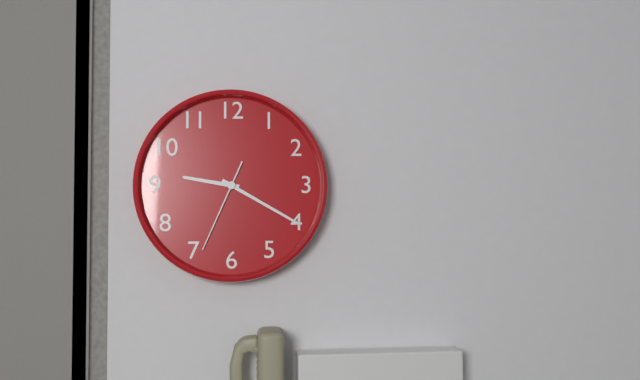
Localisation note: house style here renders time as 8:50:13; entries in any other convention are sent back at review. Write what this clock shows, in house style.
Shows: 9:20:34
